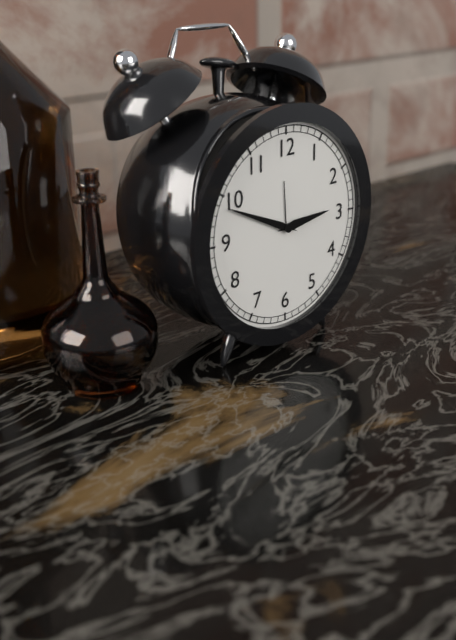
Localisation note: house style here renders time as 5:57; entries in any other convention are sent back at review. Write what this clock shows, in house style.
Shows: 2:49
